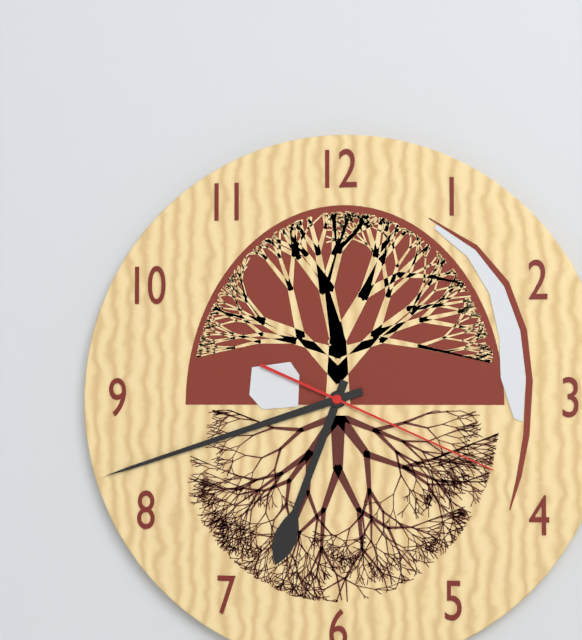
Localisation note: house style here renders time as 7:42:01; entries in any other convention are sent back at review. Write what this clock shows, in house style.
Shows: 6:42:19
